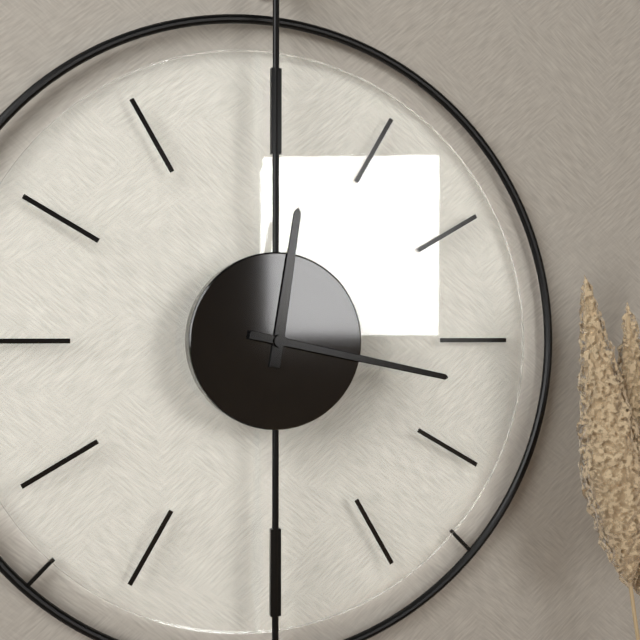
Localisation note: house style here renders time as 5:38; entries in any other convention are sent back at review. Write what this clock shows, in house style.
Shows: 12:17
